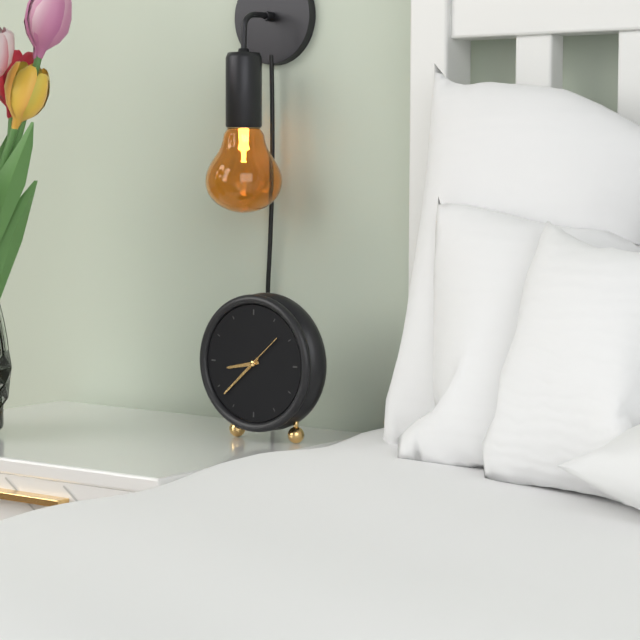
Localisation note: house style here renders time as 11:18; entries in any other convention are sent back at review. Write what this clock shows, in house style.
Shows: 8:38
